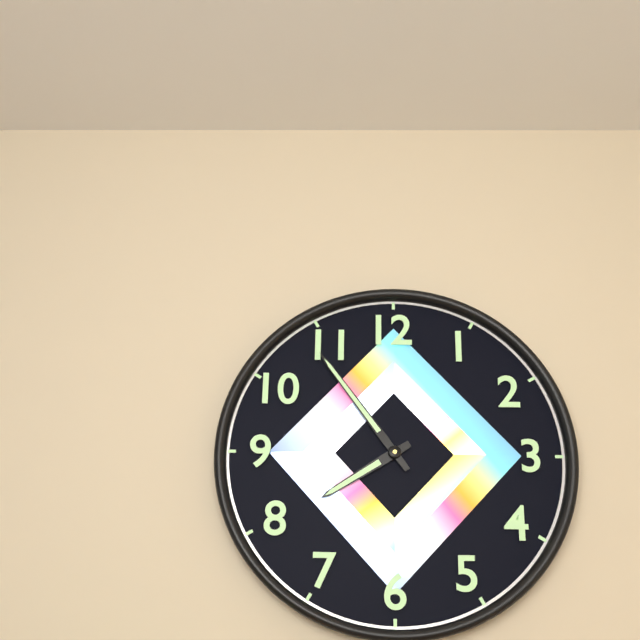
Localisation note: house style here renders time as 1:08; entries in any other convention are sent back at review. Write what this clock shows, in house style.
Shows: 7:54
